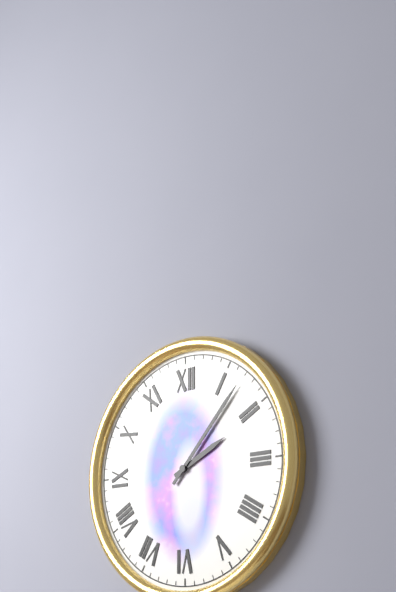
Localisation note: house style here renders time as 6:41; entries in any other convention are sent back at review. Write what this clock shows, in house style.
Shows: 2:07
